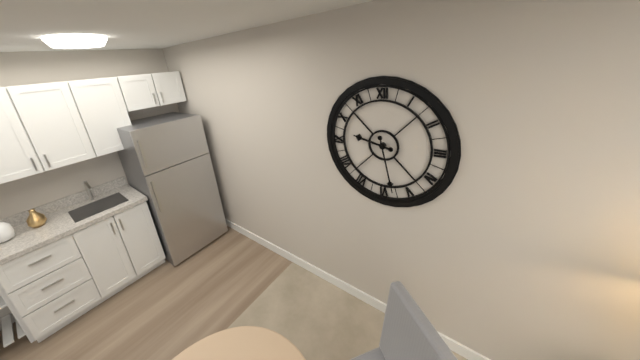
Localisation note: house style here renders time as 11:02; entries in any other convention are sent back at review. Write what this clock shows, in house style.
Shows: 9:28
